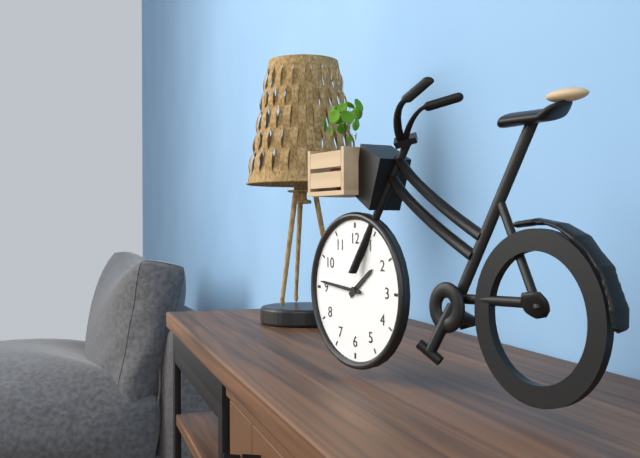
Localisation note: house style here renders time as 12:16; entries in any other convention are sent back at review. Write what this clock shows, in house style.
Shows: 1:46
